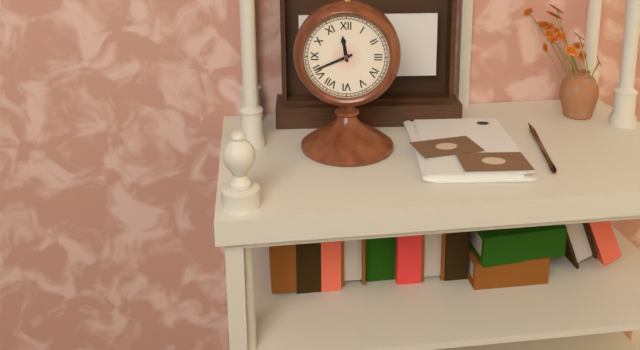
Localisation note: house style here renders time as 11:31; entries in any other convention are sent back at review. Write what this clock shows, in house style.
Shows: 11:41
